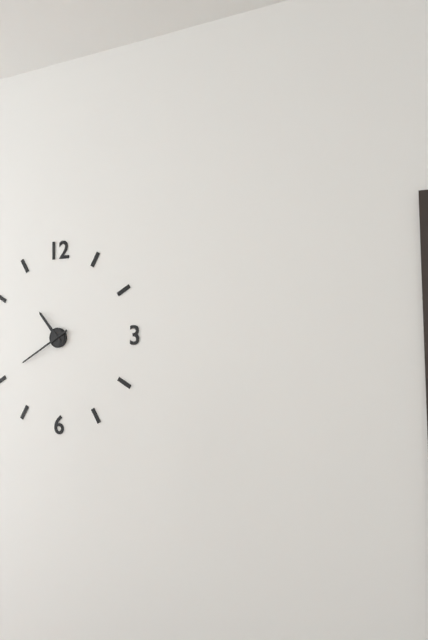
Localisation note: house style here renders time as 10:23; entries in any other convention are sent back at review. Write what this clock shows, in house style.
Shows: 10:40
